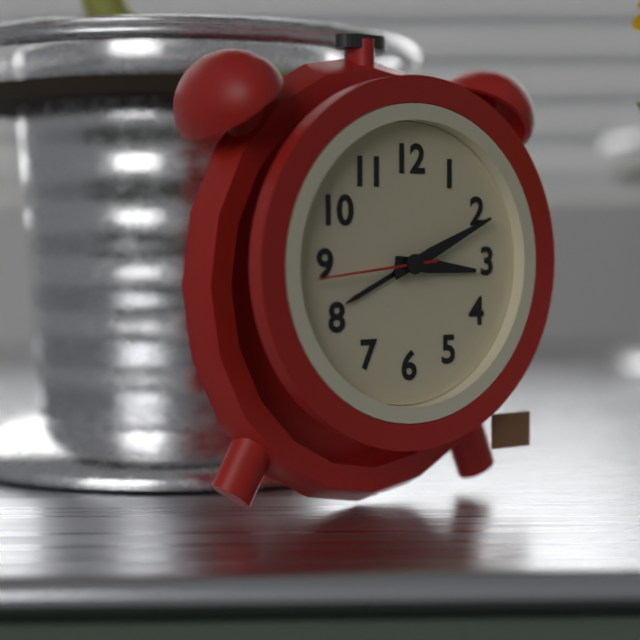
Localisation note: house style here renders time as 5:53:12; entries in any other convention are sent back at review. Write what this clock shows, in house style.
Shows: 3:11:44
